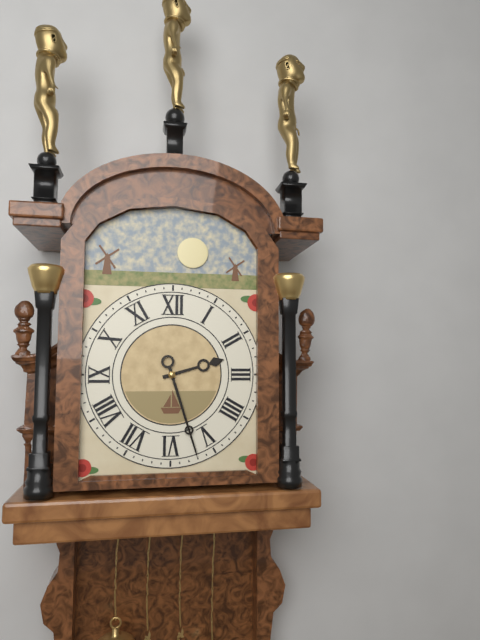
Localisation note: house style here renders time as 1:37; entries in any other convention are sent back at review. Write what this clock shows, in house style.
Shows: 2:27
